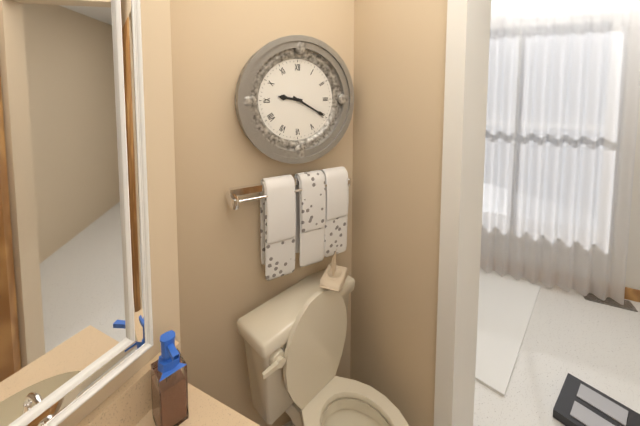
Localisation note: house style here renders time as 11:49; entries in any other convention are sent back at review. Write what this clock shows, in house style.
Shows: 9:20
